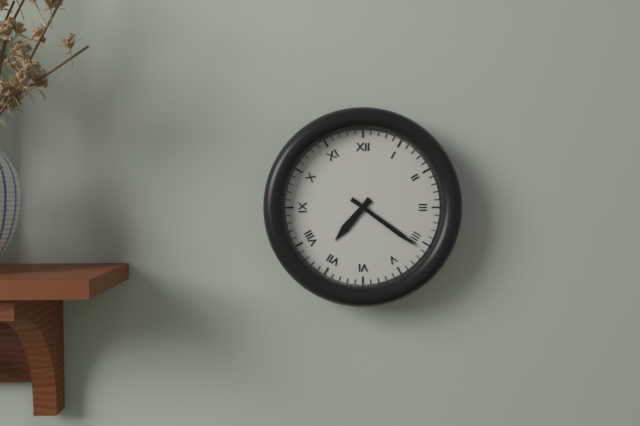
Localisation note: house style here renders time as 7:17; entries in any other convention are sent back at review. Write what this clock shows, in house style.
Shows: 7:21
